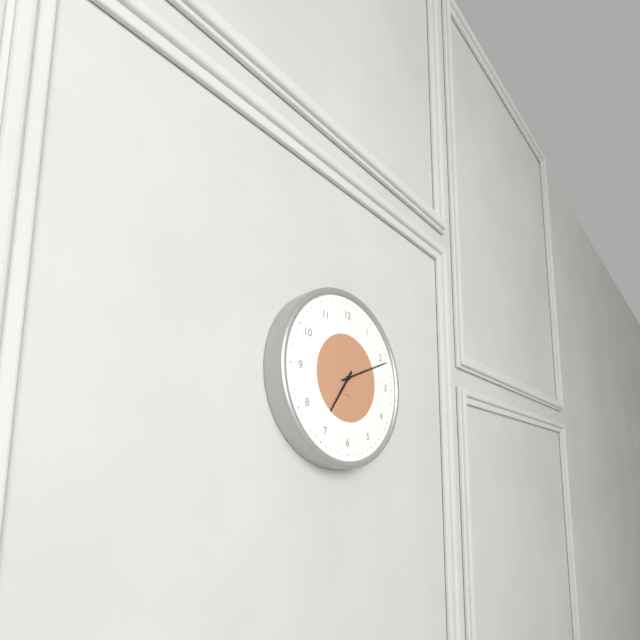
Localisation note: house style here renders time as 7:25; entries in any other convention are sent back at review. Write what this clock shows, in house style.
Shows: 7:11
